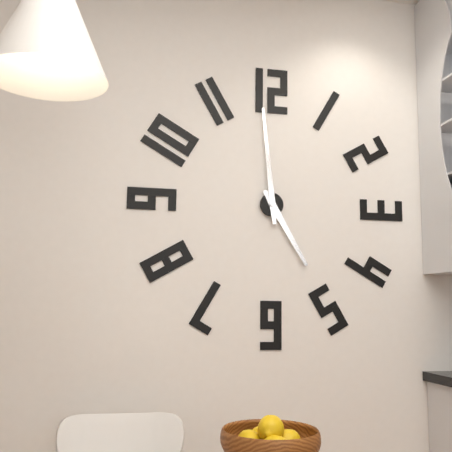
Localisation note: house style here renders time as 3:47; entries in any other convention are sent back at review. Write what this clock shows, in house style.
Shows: 4:59
